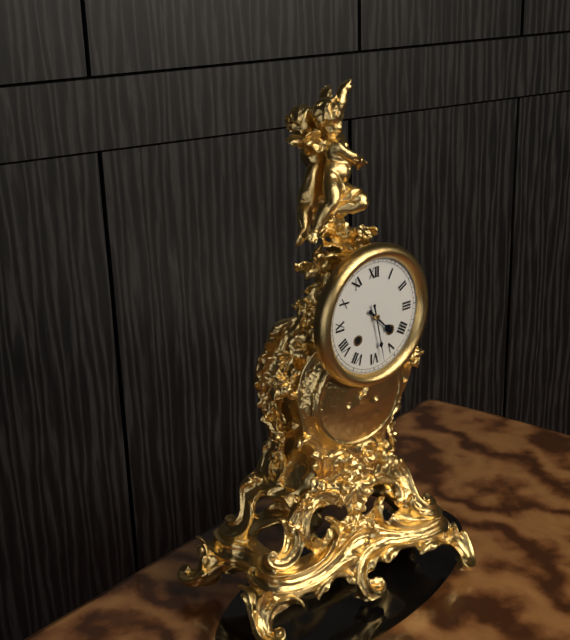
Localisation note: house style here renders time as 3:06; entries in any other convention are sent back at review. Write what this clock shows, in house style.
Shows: 4:28
